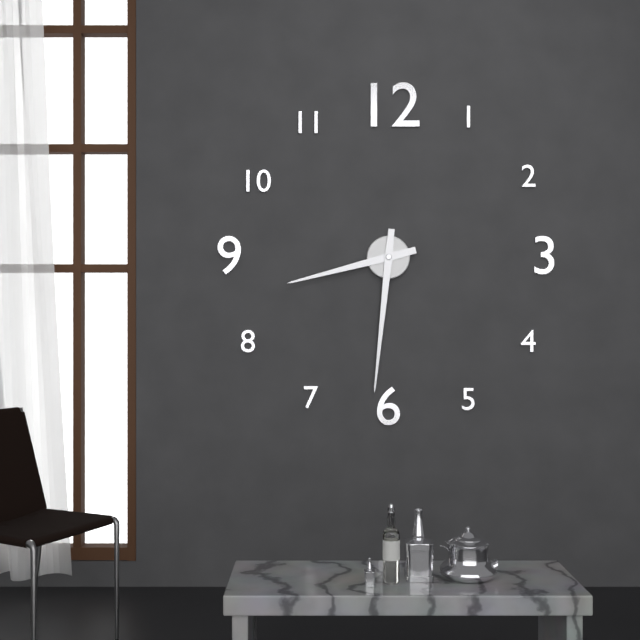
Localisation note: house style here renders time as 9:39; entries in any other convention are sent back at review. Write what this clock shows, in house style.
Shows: 8:31
